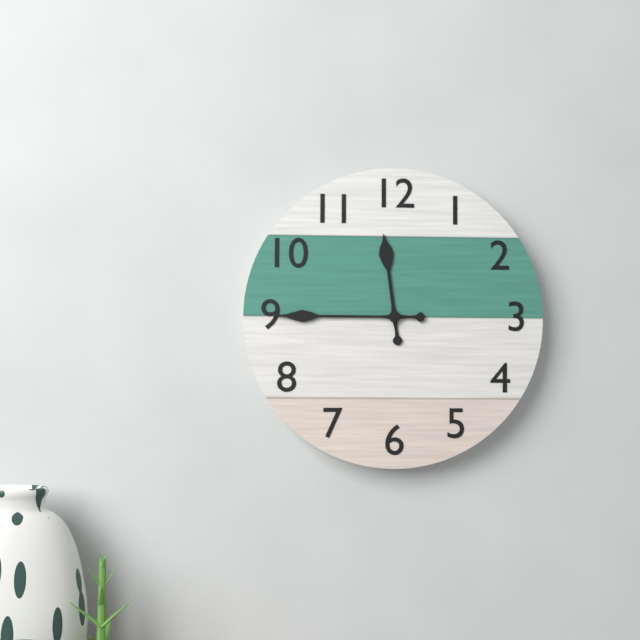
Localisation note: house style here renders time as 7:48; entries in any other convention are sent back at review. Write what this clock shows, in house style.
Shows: 11:45
